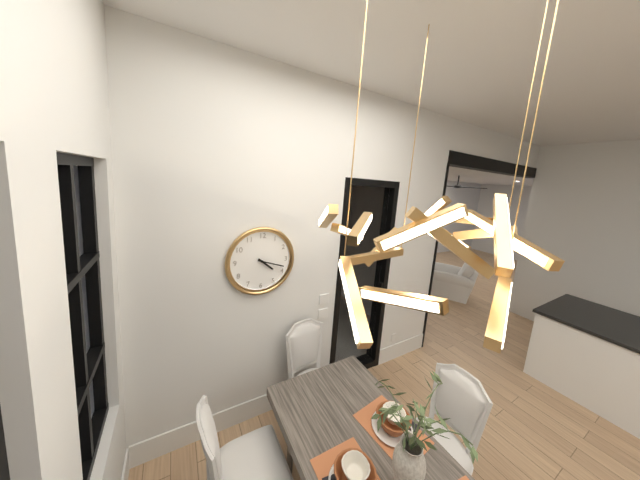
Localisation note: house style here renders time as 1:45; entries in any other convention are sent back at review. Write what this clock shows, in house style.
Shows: 4:18
